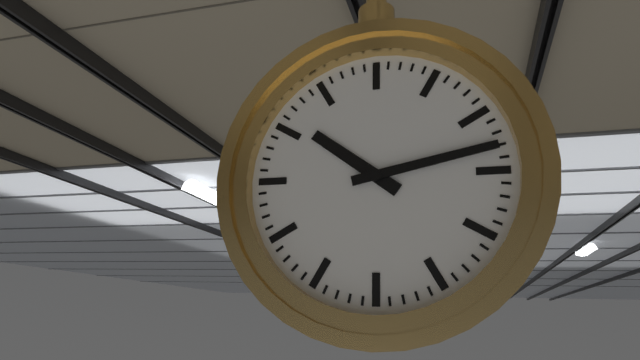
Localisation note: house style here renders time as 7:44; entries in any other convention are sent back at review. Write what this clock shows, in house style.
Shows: 10:13
